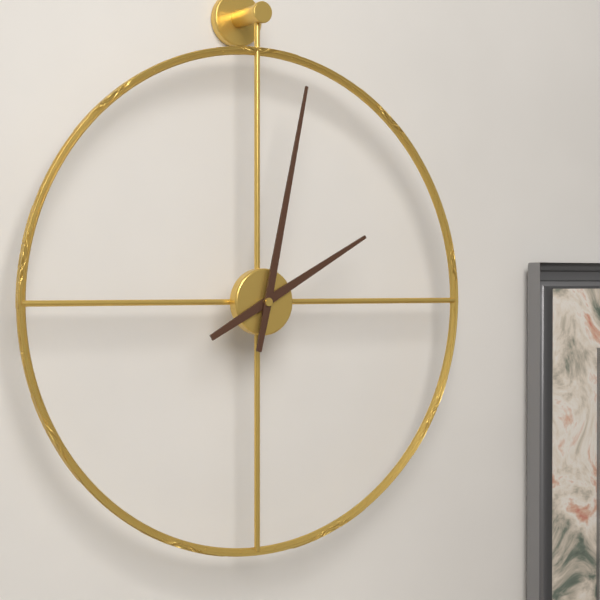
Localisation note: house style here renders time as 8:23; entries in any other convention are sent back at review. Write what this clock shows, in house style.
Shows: 2:02
